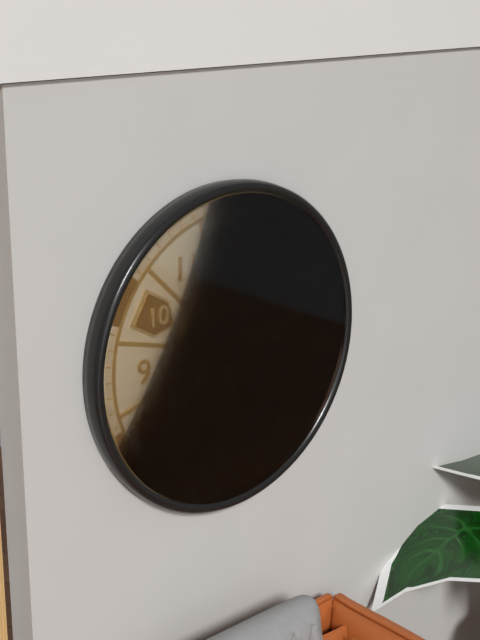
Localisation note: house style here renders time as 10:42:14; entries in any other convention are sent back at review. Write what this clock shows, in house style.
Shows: 1:28:27
